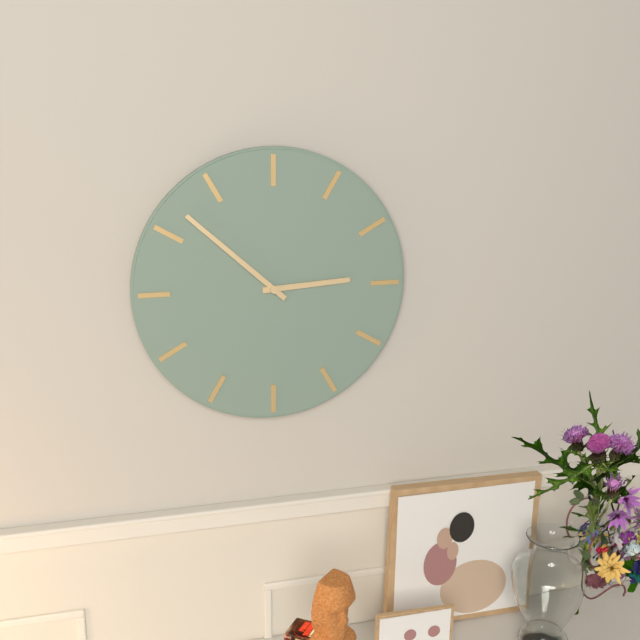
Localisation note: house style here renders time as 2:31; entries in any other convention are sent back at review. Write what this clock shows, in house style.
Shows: 2:52
